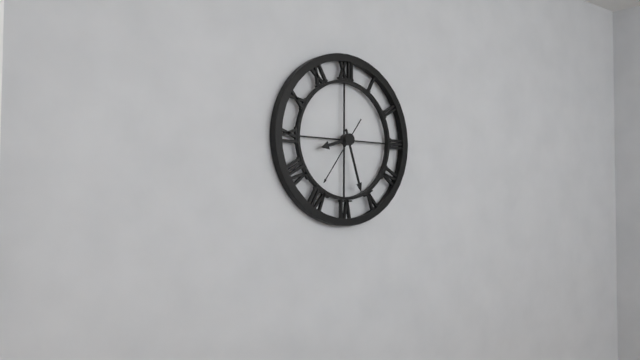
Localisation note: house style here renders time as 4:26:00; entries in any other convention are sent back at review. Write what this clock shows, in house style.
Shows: 8:27:36
